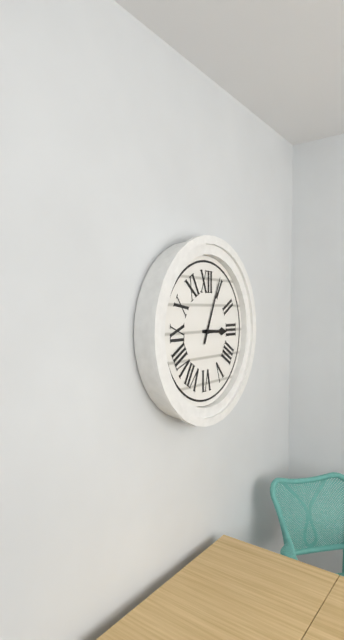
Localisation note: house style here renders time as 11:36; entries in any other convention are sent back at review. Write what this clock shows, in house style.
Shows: 3:04
